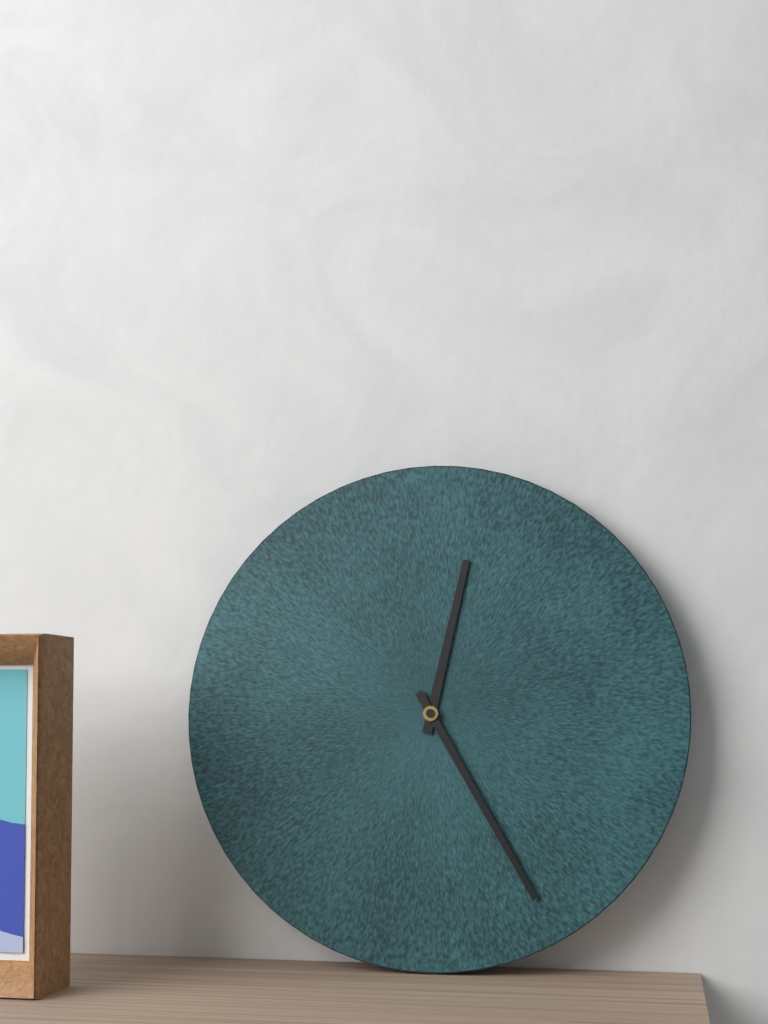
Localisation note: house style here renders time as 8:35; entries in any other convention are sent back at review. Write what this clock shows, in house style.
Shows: 12:25
